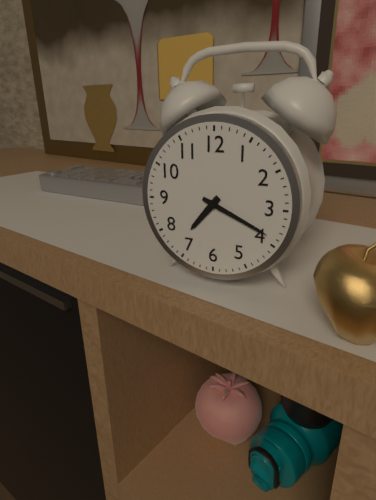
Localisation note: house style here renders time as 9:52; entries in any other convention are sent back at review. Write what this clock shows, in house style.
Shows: 7:19
